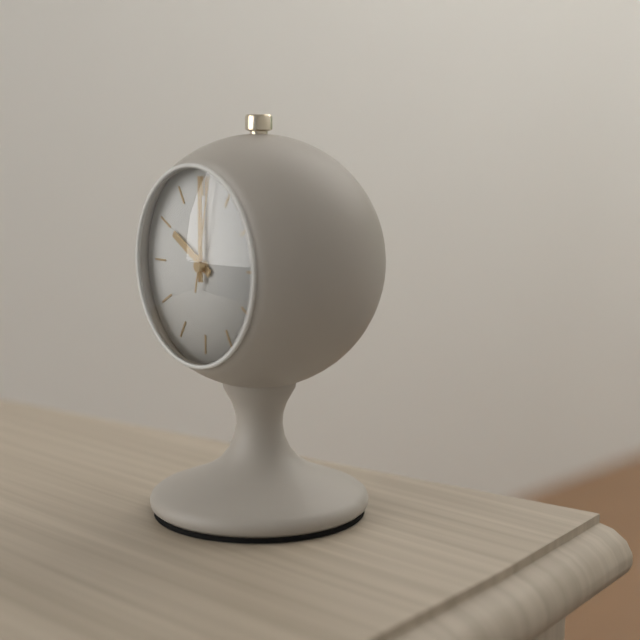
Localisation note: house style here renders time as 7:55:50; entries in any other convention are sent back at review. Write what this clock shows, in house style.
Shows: 10:00:02
